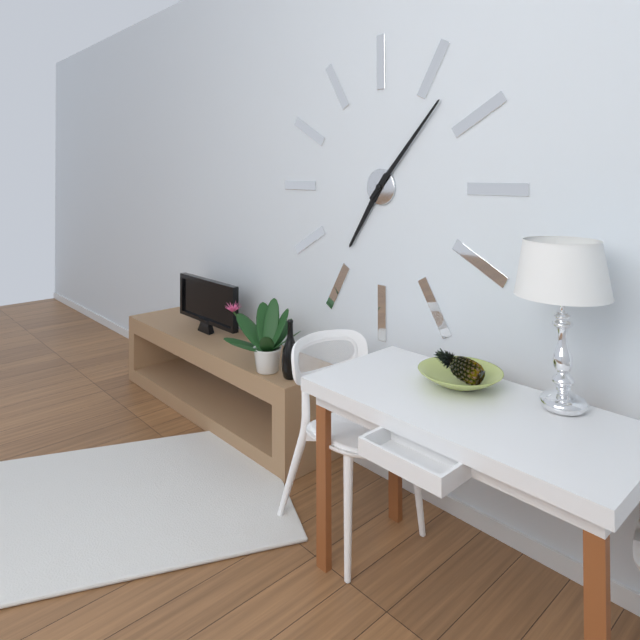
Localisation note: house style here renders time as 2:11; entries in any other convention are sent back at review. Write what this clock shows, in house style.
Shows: 7:07
